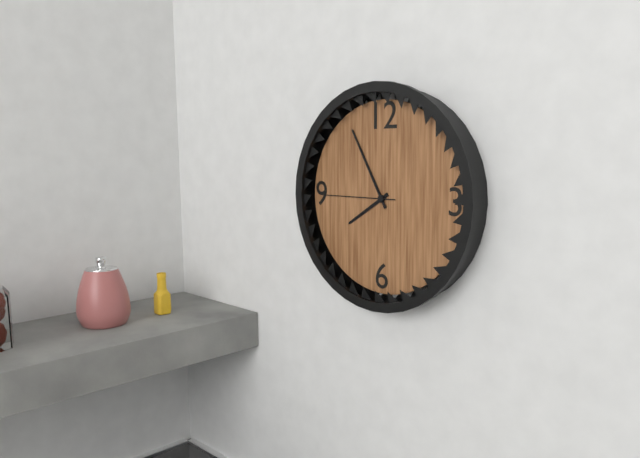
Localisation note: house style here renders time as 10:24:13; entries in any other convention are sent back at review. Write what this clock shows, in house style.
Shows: 7:55:45
